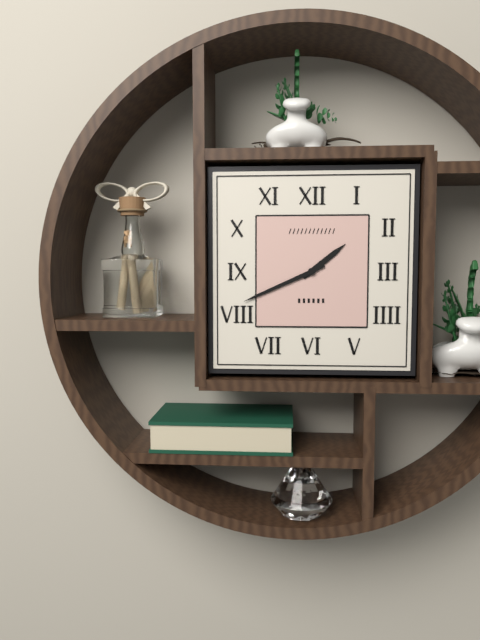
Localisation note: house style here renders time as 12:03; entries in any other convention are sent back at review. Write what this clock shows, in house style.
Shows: 1:41
